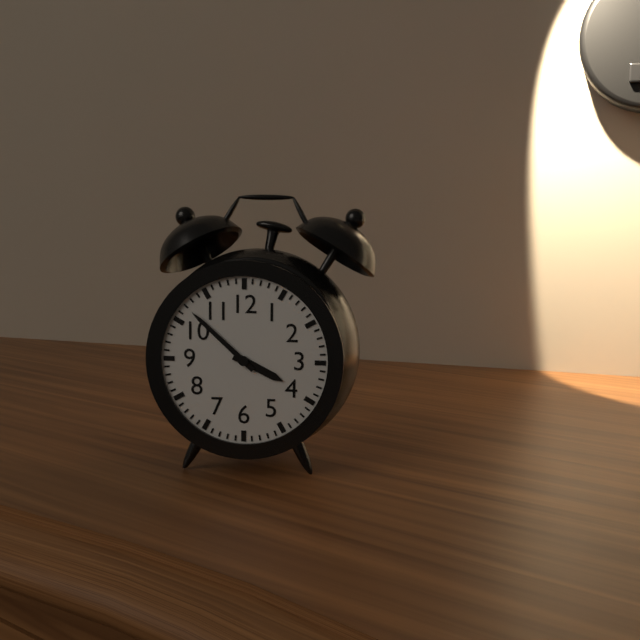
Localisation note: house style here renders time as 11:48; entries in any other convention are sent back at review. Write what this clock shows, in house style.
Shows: 3:52
